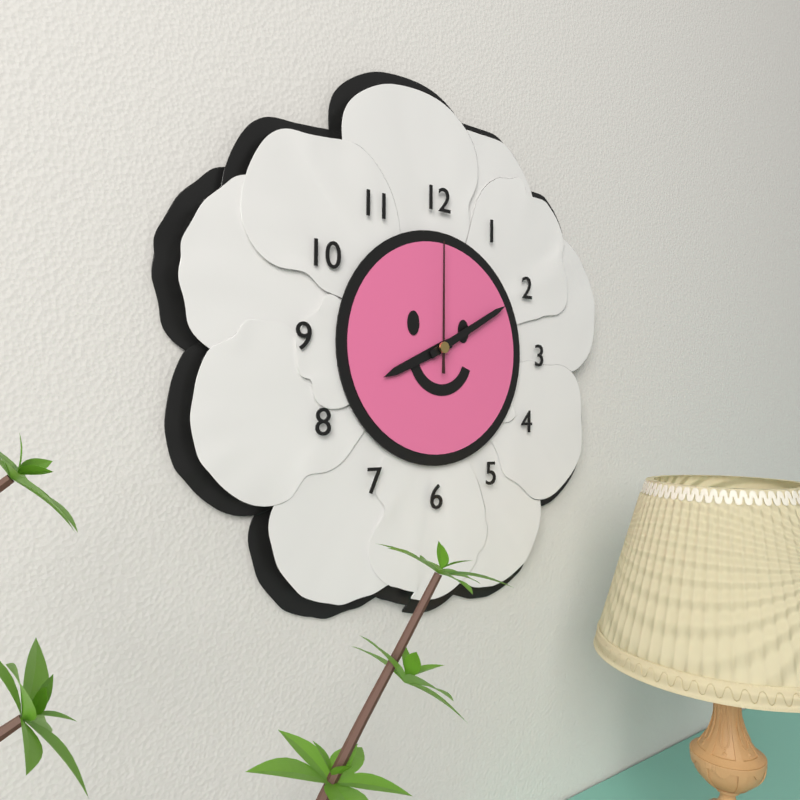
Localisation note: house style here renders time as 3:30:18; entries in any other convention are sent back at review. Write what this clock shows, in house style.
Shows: 8:10:00
